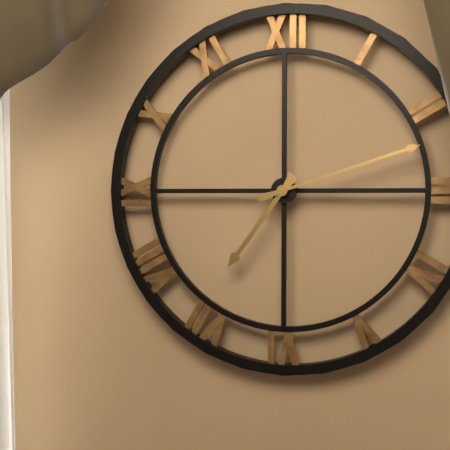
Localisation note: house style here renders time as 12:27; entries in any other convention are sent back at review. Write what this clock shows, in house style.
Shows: 7:12
